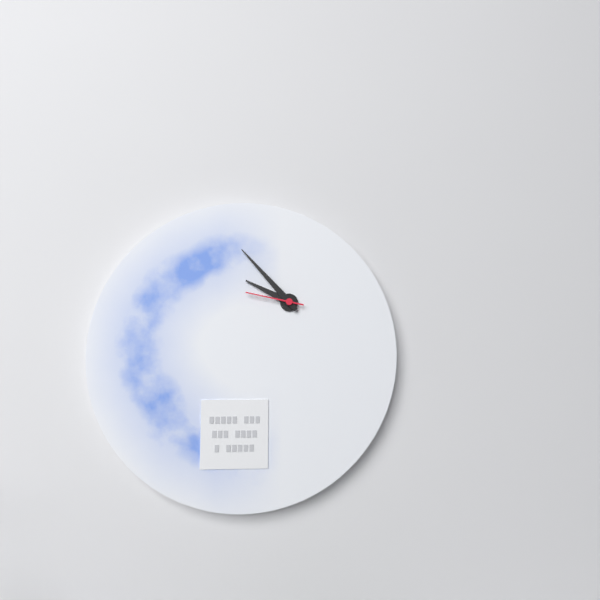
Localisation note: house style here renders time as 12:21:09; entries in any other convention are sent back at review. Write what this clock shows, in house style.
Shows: 9:53:47
